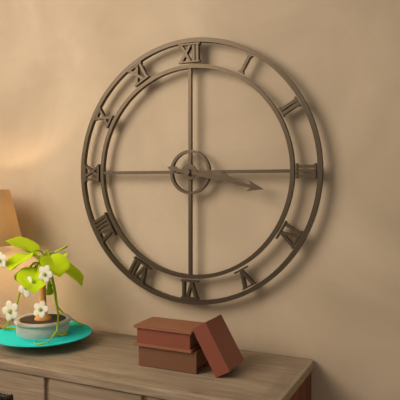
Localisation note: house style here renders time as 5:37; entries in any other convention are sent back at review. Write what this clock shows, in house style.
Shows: 3:17
